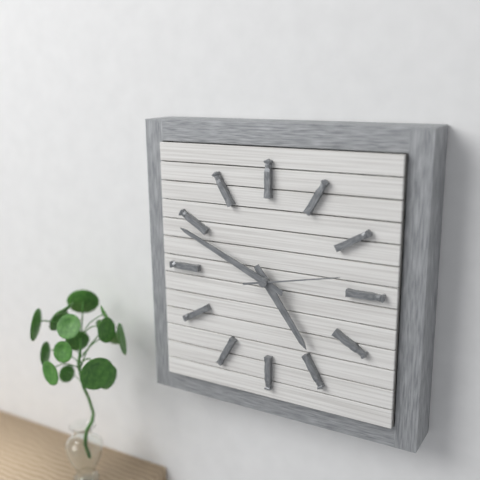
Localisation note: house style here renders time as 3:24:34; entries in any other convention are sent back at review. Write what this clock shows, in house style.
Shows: 4:49:13
